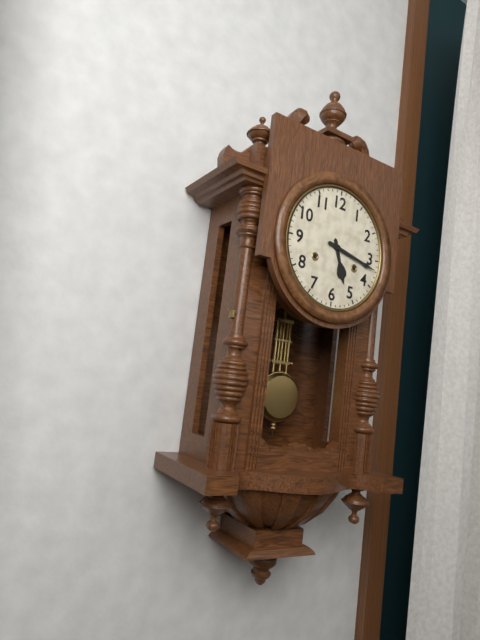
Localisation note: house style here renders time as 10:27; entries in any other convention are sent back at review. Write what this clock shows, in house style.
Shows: 5:17
